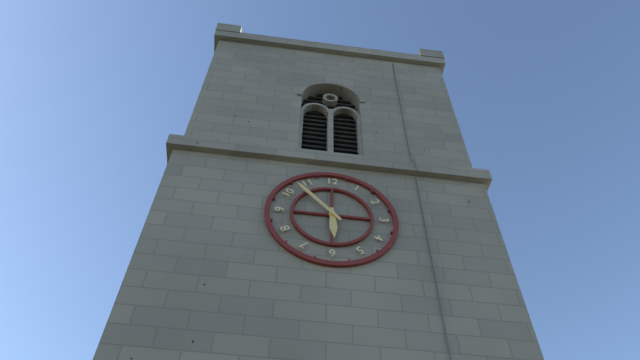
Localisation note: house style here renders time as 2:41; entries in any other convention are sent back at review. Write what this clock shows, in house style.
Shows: 5:53
